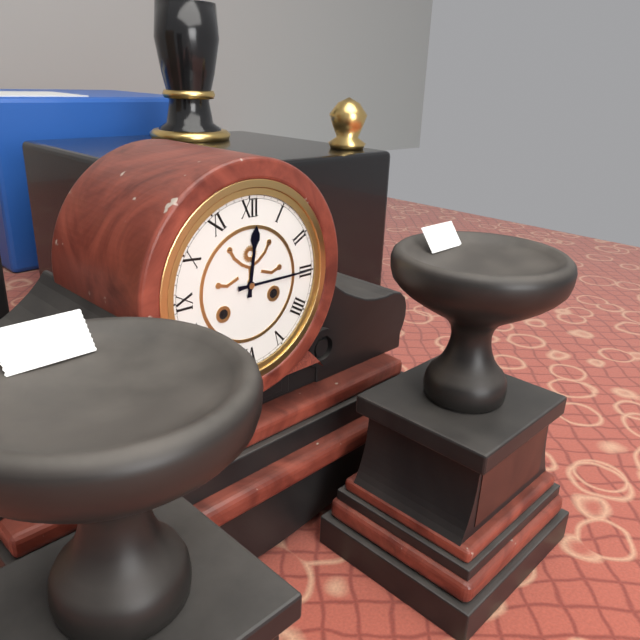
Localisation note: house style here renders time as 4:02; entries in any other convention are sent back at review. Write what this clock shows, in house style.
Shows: 12:15
